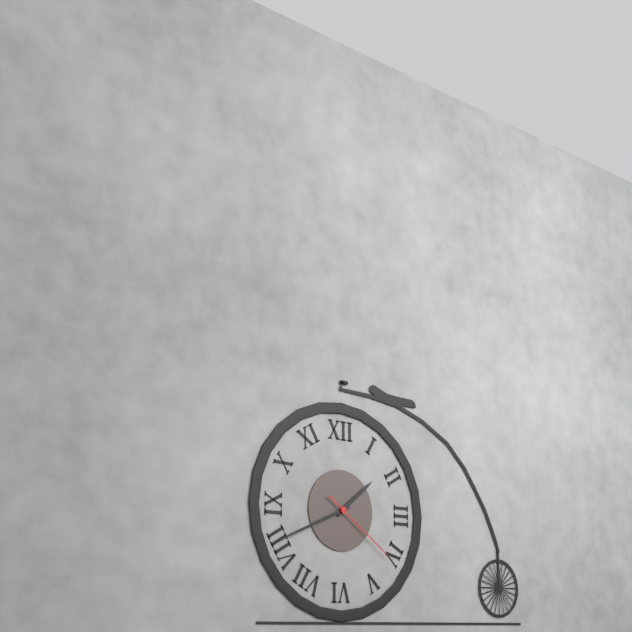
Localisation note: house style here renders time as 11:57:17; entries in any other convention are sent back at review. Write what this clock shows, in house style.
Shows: 1:41:21
